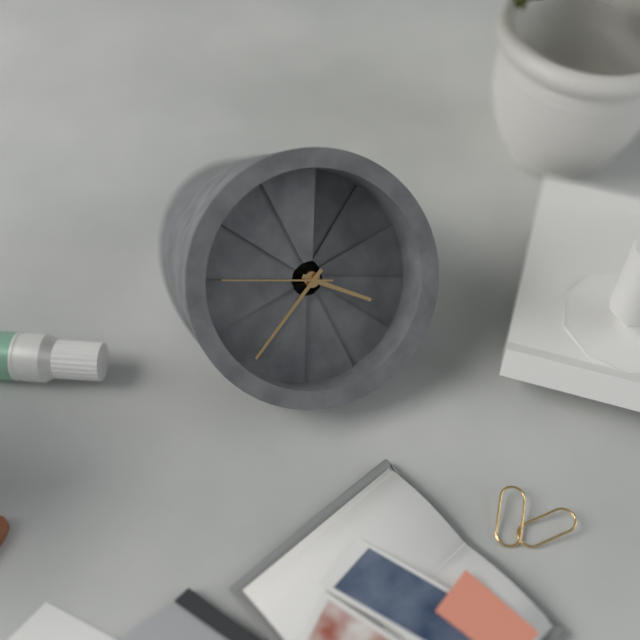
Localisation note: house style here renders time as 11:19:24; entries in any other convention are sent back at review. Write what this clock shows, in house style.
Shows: 3:36:45
